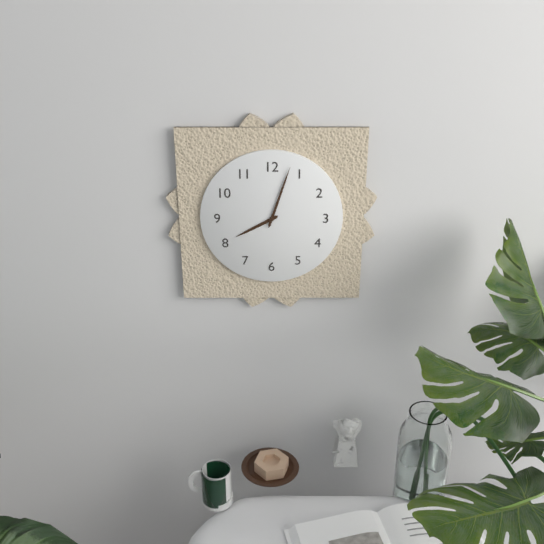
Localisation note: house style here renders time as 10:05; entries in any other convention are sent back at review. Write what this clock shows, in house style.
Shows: 8:03
